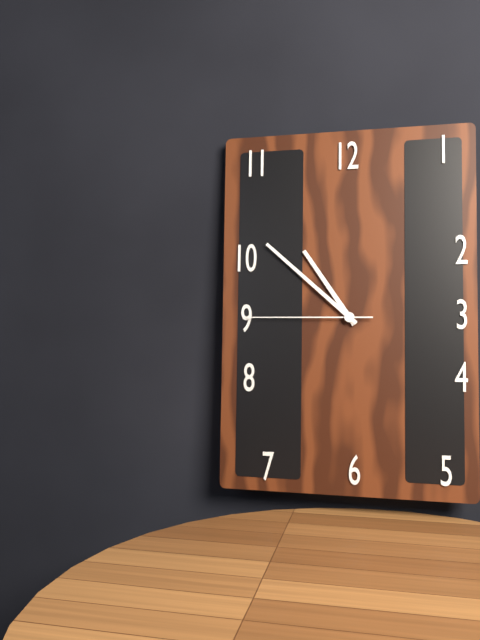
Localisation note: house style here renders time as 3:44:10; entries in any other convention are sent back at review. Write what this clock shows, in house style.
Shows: 10:52:45
